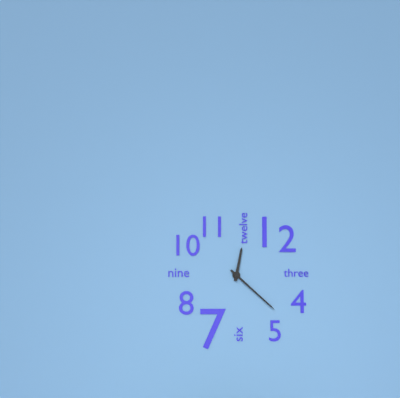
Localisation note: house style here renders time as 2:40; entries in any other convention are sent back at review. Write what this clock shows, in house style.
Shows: 12:22
